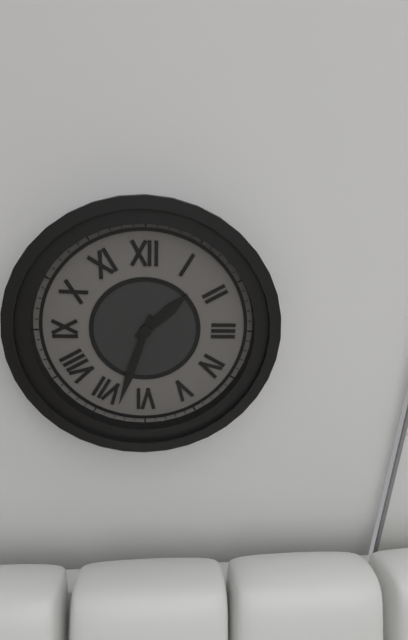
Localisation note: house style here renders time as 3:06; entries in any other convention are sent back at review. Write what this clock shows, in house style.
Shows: 1:33
